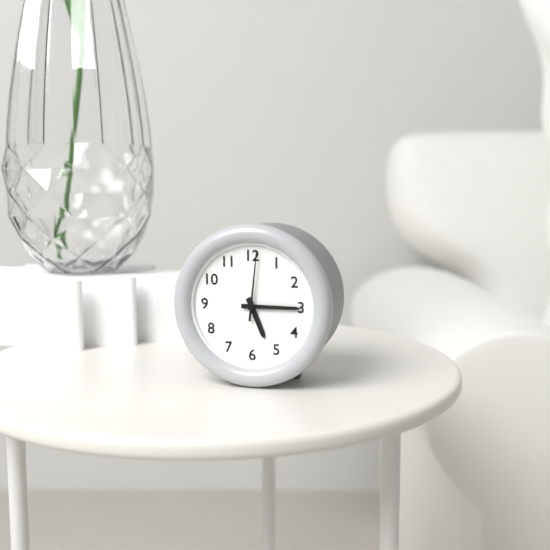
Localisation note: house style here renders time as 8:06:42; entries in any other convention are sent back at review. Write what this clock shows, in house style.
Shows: 5:15:01
